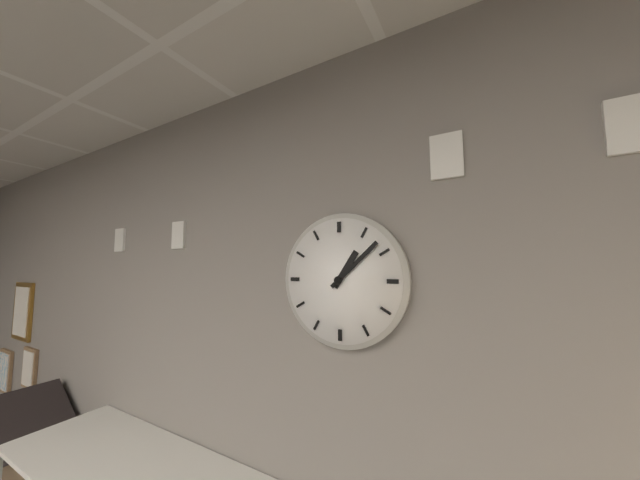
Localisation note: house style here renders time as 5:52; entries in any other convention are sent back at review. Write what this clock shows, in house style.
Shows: 1:08
